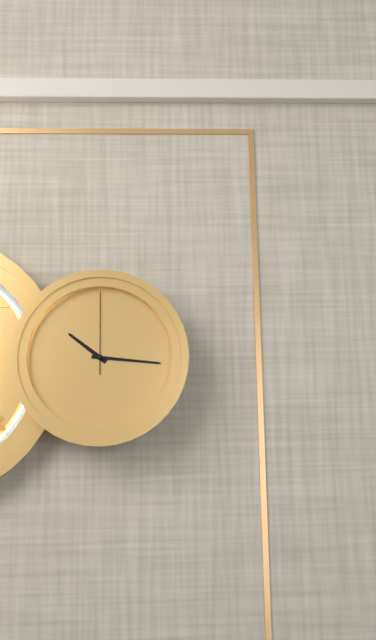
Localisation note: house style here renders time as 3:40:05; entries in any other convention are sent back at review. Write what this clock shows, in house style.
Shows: 10:16:00
